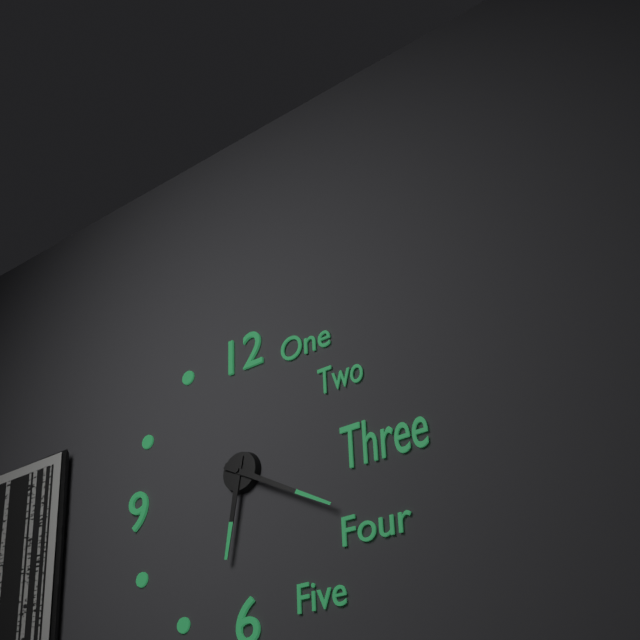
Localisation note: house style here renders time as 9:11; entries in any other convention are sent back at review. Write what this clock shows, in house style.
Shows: 6:20
